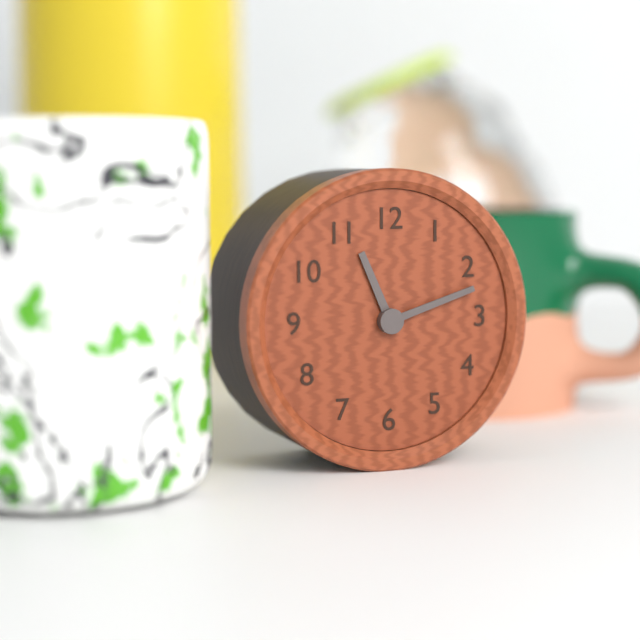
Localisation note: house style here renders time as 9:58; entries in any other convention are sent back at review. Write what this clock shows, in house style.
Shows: 11:12
